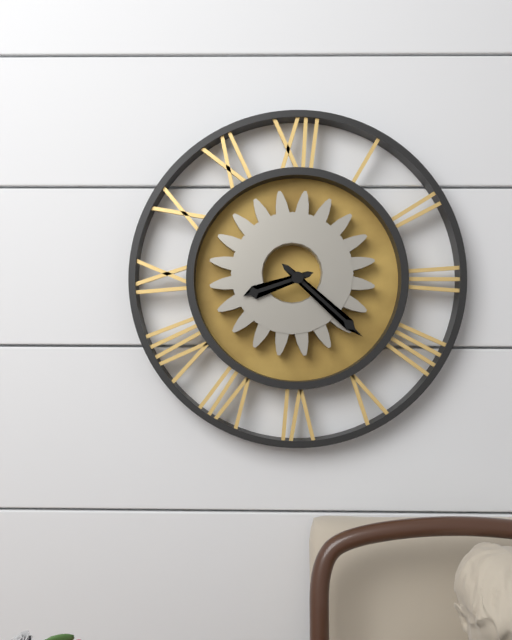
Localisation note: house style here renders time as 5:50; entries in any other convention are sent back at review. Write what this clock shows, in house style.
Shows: 8:22
